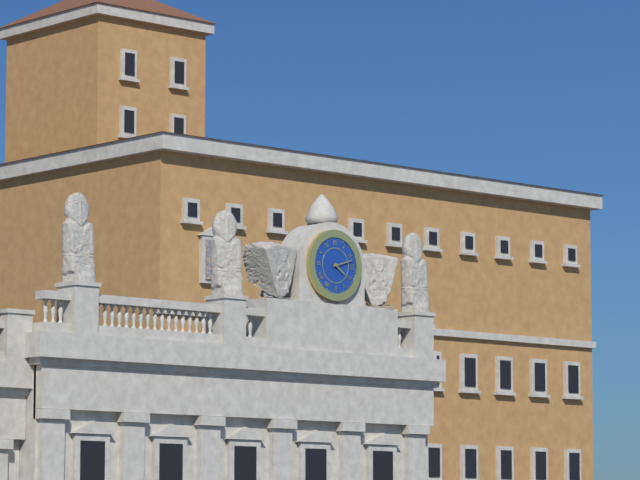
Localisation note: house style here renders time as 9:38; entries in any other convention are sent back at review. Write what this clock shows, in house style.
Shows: 4:12
